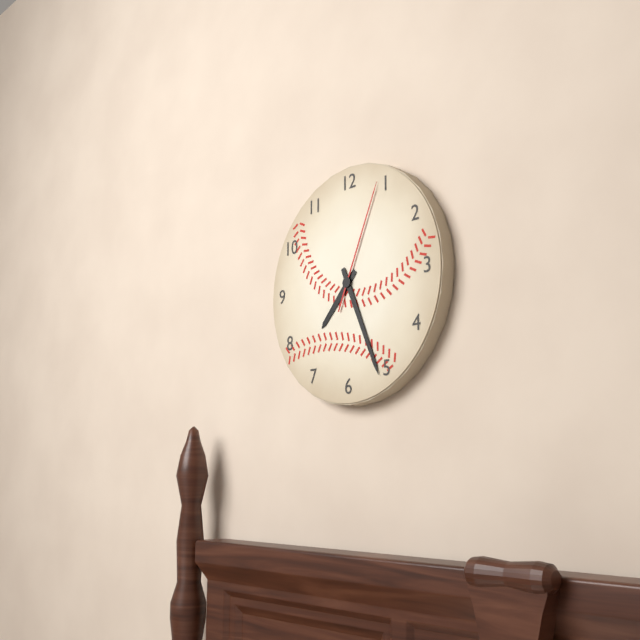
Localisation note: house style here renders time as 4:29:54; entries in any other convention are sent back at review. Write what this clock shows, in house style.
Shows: 7:26:04
